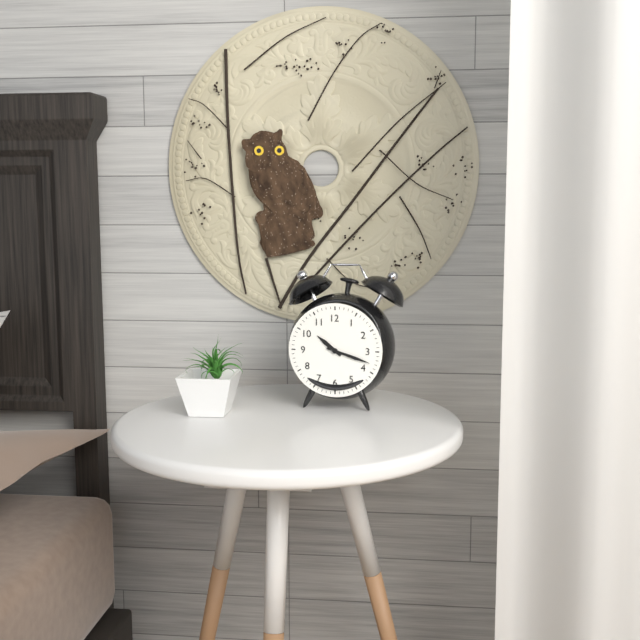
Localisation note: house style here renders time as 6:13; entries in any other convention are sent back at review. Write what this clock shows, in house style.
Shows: 10:18
